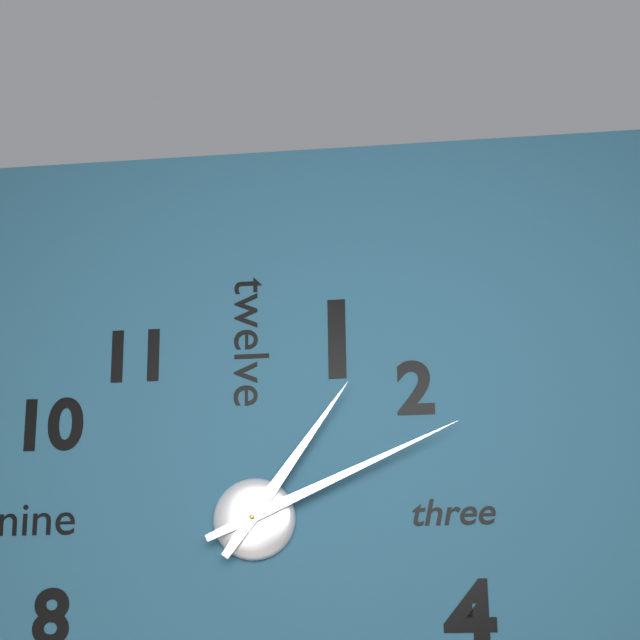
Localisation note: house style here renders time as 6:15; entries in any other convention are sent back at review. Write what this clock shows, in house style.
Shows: 1:11
